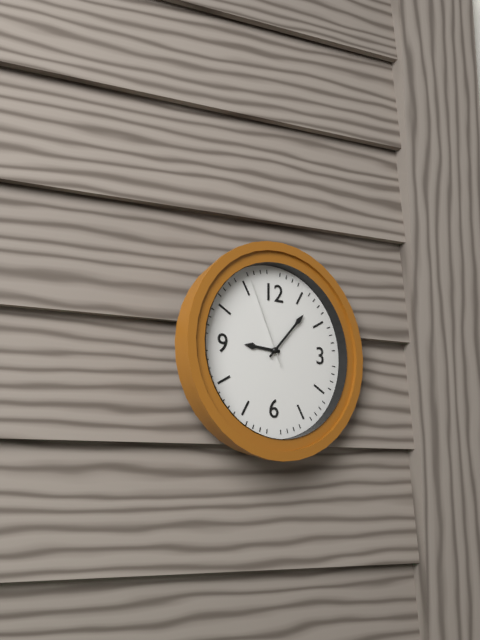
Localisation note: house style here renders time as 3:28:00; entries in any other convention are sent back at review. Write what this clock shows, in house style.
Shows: 9:07:56
